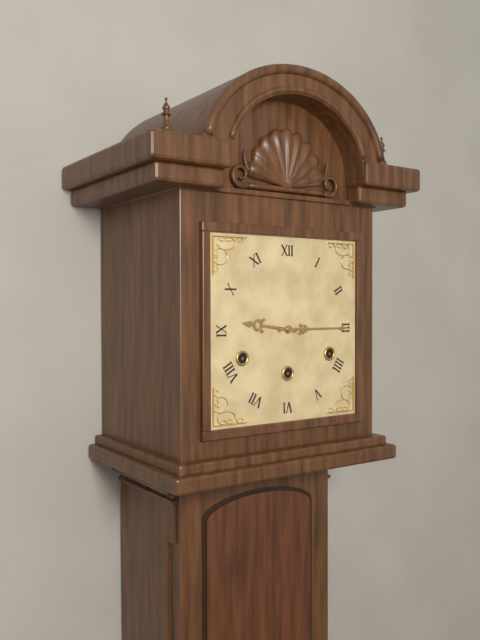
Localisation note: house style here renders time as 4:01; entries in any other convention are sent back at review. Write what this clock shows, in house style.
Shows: 9:15
